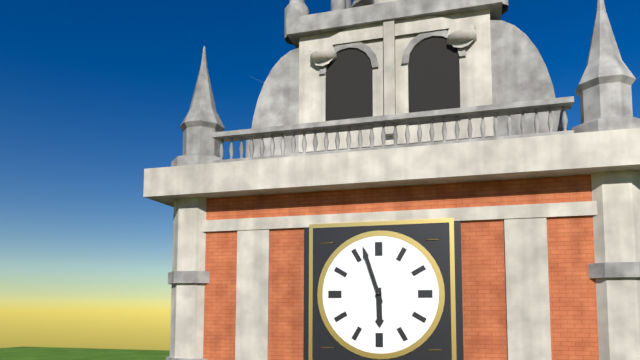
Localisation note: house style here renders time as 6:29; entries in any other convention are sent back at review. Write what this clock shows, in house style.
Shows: 5:57
